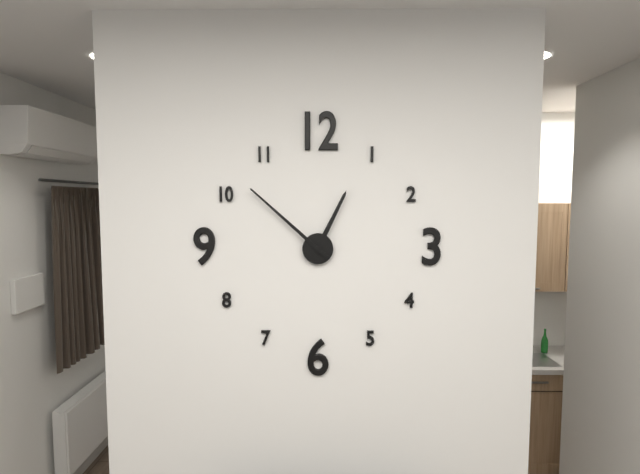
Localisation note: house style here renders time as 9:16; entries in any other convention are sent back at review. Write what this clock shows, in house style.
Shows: 12:52
